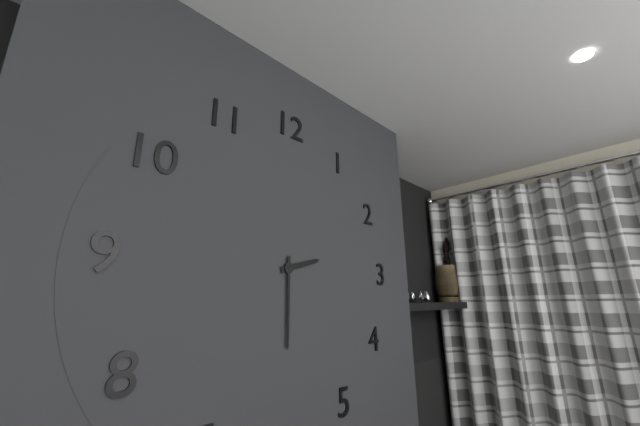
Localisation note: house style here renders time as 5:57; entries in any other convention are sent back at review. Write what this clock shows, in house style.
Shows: 2:30
